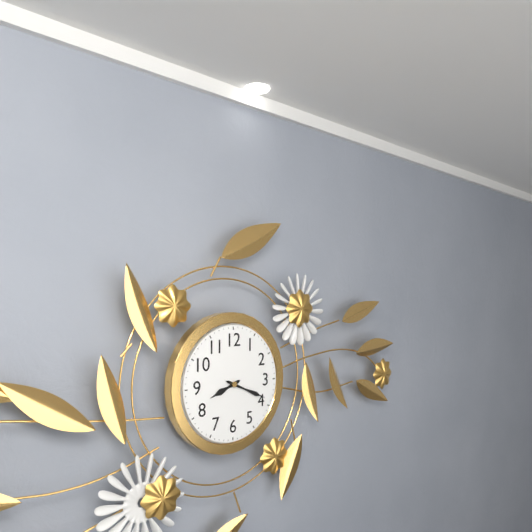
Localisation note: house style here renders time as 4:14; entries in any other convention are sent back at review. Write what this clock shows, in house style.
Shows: 8:19
